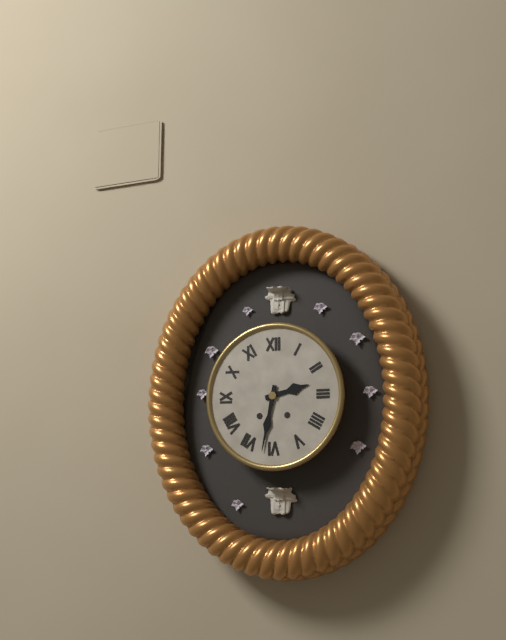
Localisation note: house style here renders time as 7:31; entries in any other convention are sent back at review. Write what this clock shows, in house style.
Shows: 2:32
